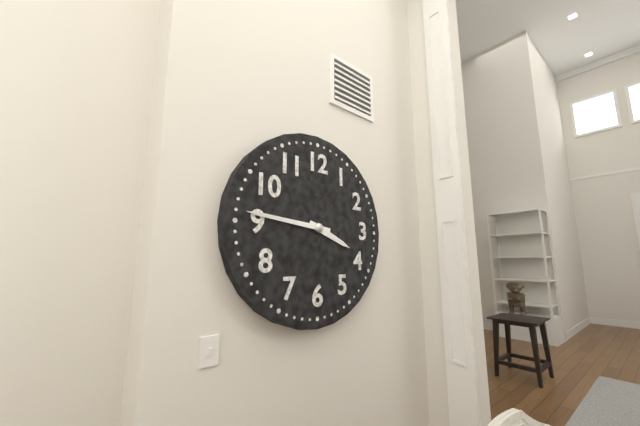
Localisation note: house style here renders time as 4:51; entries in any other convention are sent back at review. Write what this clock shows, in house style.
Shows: 3:46
